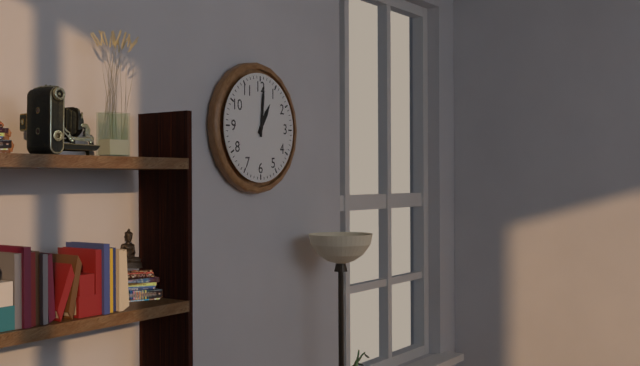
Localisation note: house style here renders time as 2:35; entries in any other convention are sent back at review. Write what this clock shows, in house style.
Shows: 1:01
